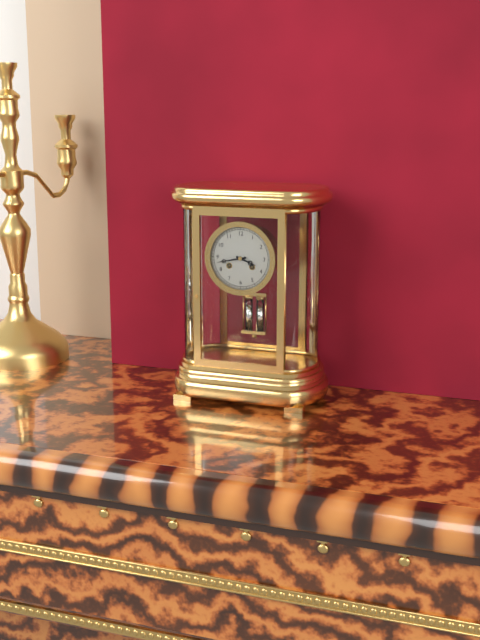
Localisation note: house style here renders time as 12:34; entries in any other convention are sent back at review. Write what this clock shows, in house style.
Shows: 3:43
